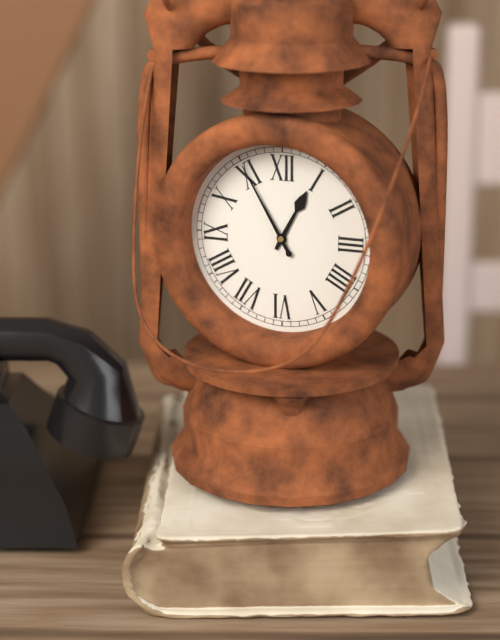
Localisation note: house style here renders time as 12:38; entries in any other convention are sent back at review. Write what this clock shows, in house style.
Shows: 12:55
